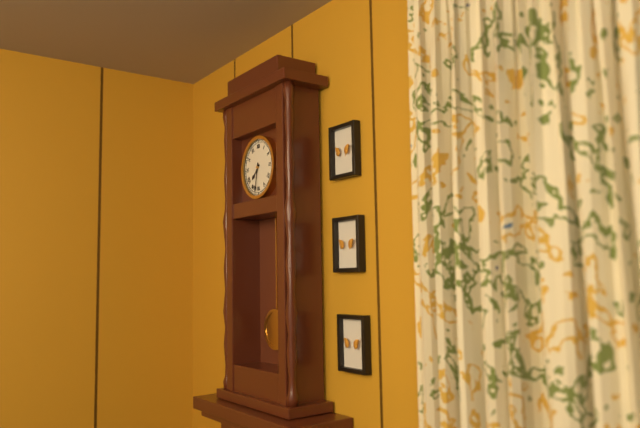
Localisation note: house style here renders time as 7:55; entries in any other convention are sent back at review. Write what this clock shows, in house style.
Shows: 7:32
